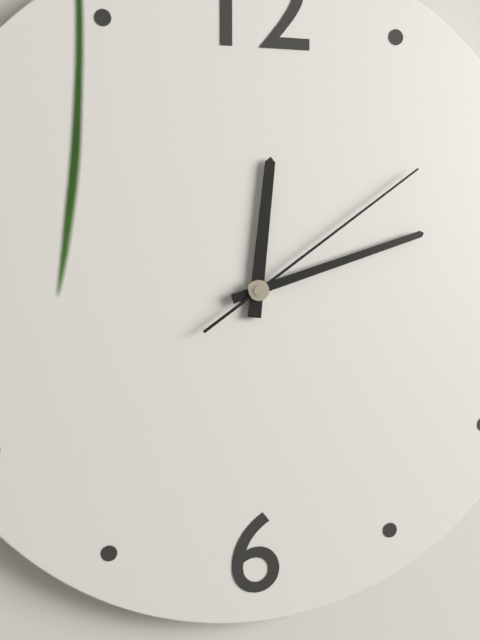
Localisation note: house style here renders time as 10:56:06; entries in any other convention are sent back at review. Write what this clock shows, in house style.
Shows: 12:12:09
